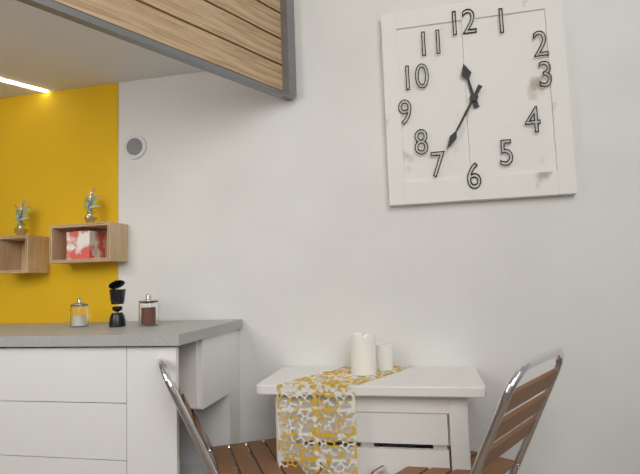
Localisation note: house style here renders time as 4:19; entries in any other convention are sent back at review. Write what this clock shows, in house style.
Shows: 11:35
